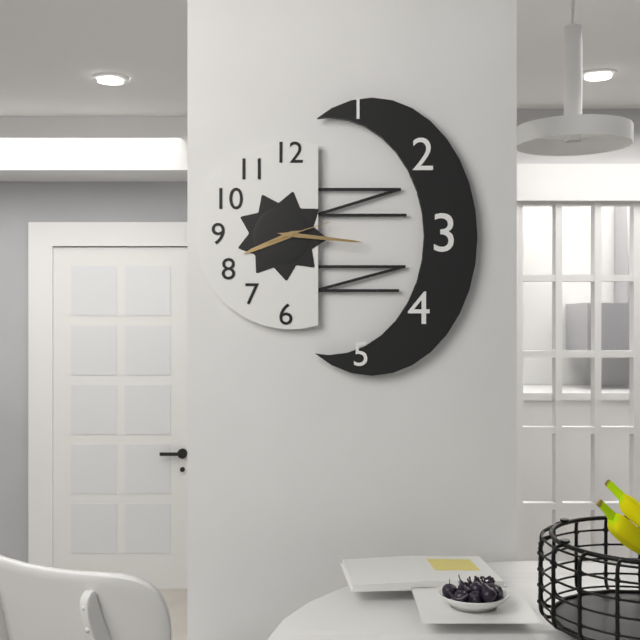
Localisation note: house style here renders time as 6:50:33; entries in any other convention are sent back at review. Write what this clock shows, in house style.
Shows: 8:16:12
